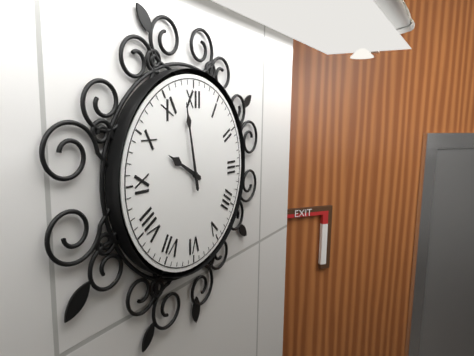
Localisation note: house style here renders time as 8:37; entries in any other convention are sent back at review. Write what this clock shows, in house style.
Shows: 9:58
